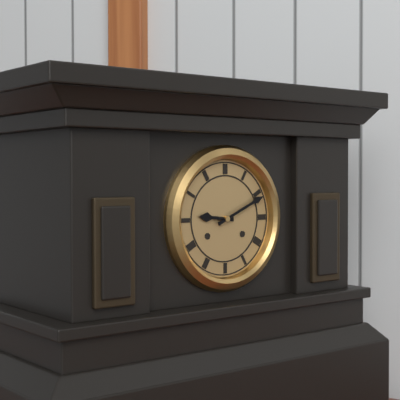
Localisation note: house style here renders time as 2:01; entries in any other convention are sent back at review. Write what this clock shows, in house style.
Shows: 9:11
